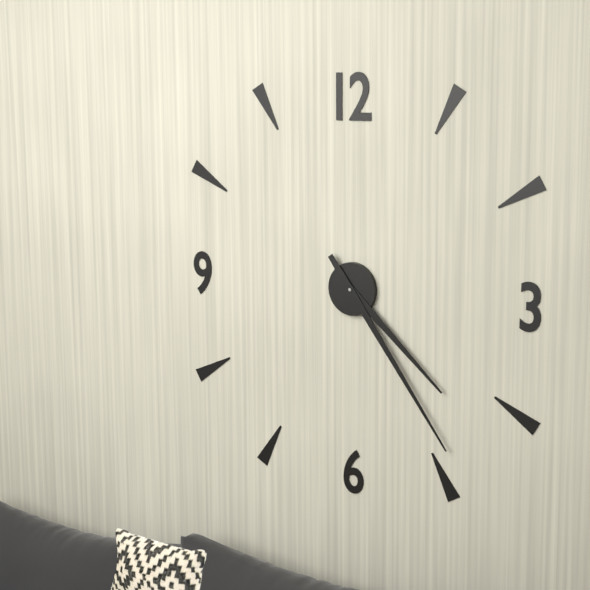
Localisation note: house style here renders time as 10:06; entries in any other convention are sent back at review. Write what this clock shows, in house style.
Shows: 4:24
